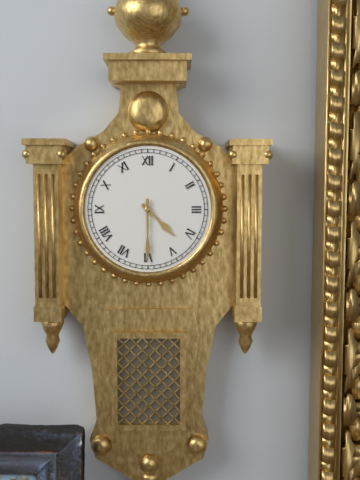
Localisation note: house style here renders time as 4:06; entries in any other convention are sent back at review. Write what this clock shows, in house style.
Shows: 4:30
